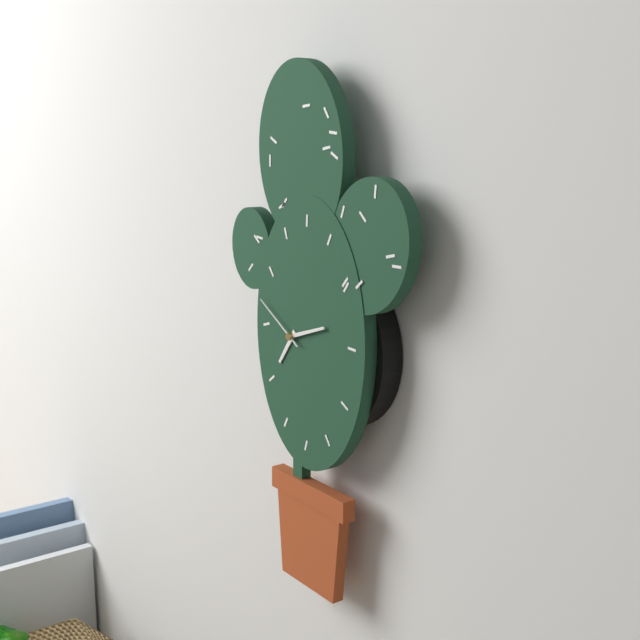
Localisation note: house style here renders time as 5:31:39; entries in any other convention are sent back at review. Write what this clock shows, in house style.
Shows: 7:12:50
